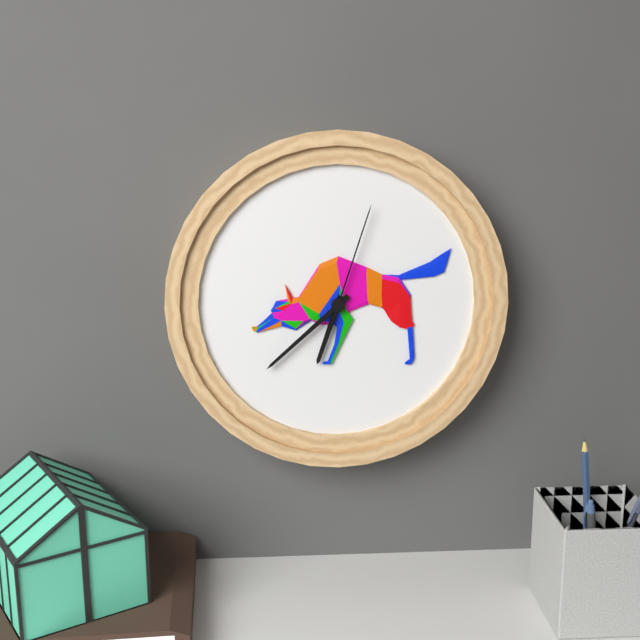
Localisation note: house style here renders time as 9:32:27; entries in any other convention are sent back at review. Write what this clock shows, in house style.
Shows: 6:38:03
